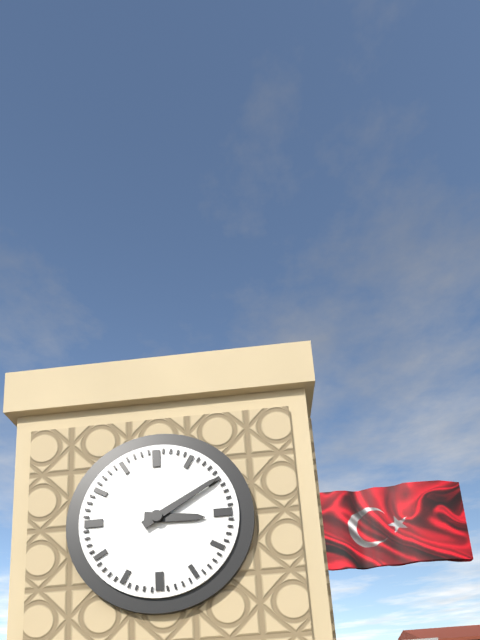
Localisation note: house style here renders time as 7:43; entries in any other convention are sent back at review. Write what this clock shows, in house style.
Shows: 3:10
